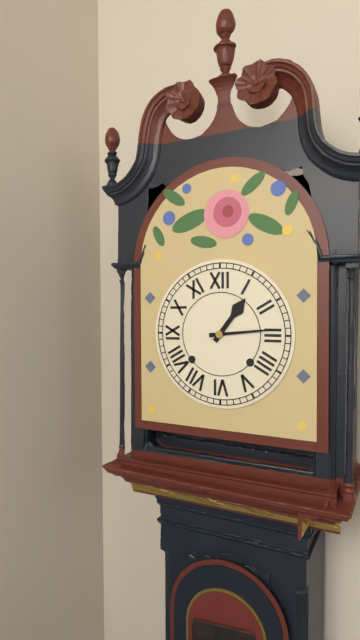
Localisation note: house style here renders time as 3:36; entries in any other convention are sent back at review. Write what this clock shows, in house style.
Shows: 1:14
